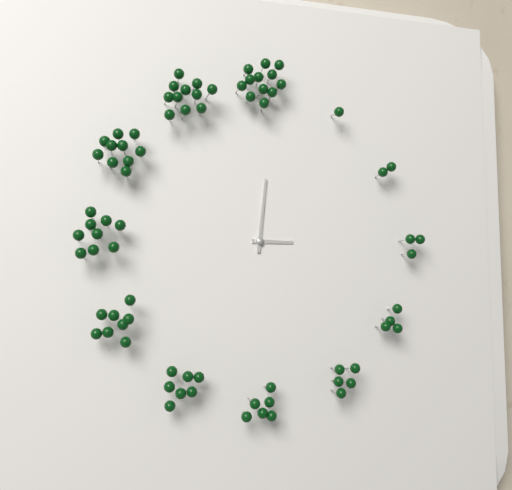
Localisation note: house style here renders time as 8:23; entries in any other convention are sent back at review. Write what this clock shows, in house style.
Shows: 3:01
